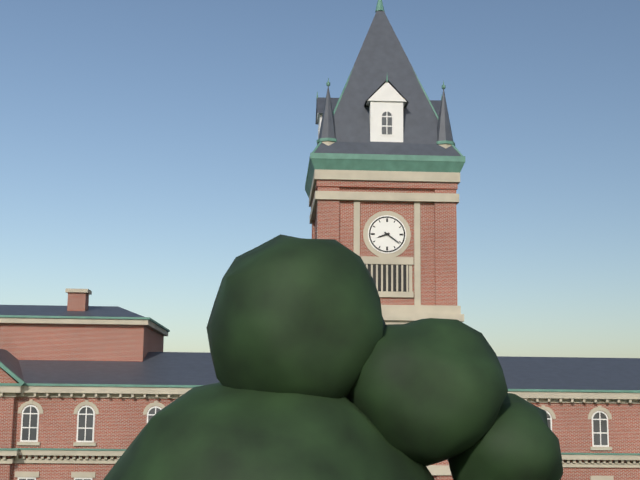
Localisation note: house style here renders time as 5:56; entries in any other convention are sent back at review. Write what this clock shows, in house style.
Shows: 8:21
